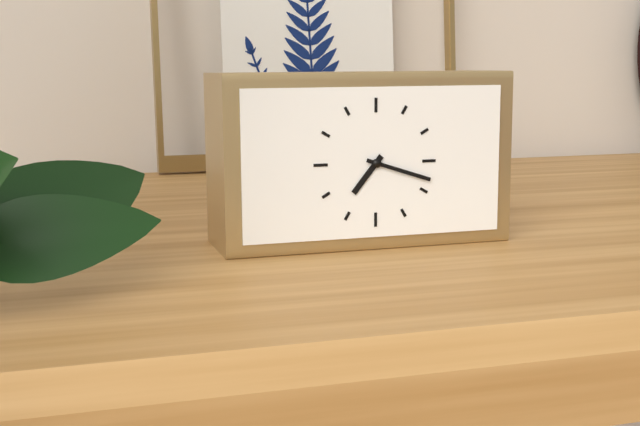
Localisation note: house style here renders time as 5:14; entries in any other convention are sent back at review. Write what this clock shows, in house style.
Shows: 7:18
